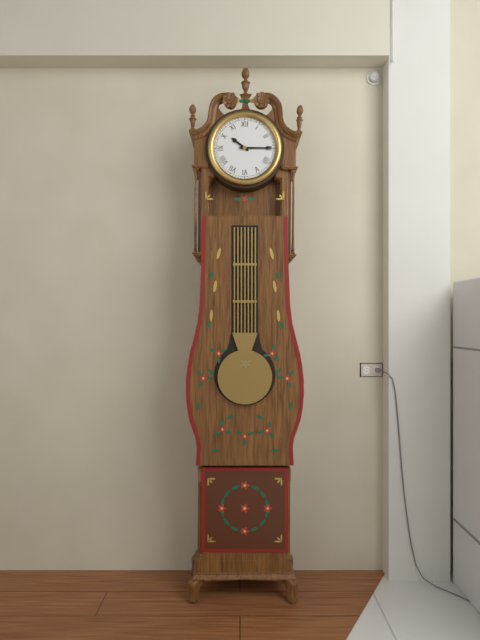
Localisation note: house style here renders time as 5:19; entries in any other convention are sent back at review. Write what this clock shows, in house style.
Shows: 10:15
